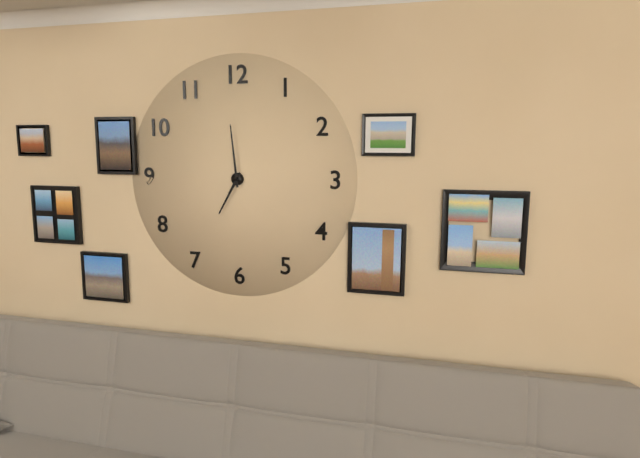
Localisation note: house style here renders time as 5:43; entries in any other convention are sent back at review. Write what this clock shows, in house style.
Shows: 6:59
